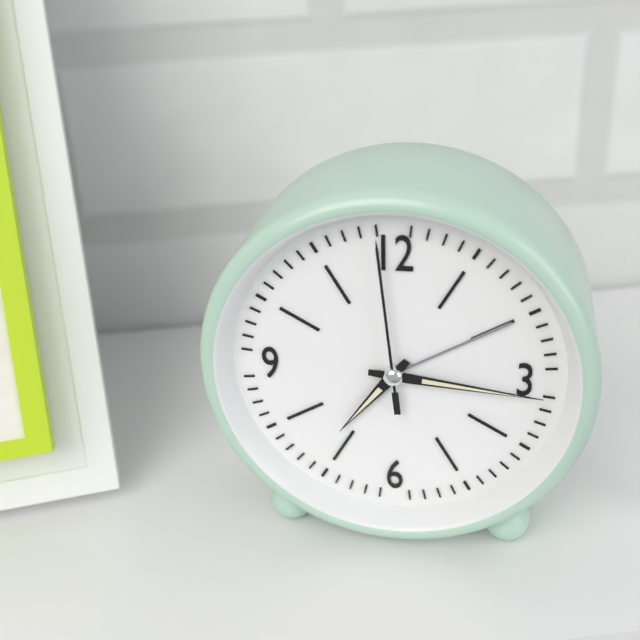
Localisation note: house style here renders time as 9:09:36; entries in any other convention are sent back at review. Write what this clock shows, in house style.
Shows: 7:16:59
